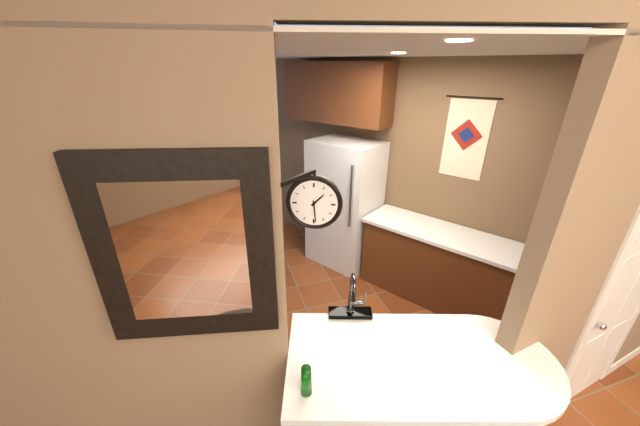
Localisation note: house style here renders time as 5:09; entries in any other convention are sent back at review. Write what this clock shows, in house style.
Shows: 1:29
